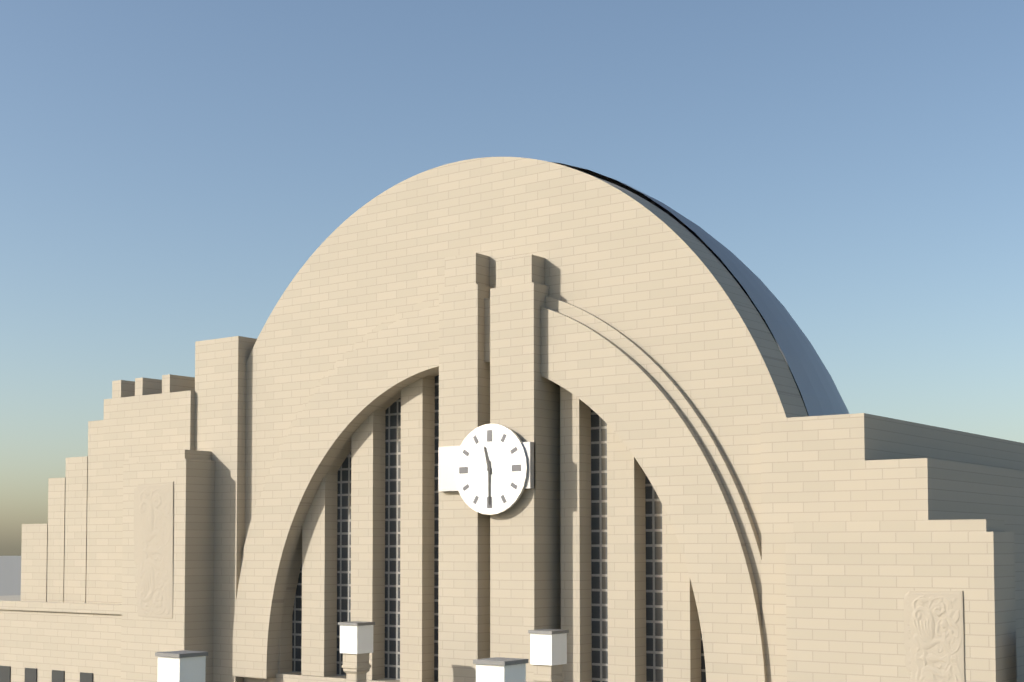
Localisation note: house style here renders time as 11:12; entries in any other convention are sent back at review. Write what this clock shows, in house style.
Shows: 11:30
